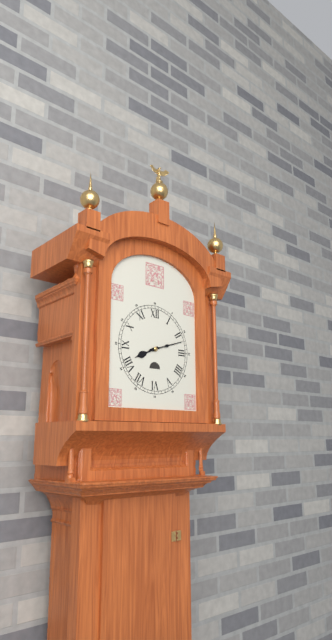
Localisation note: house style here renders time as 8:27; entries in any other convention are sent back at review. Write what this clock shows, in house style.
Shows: 8:12
